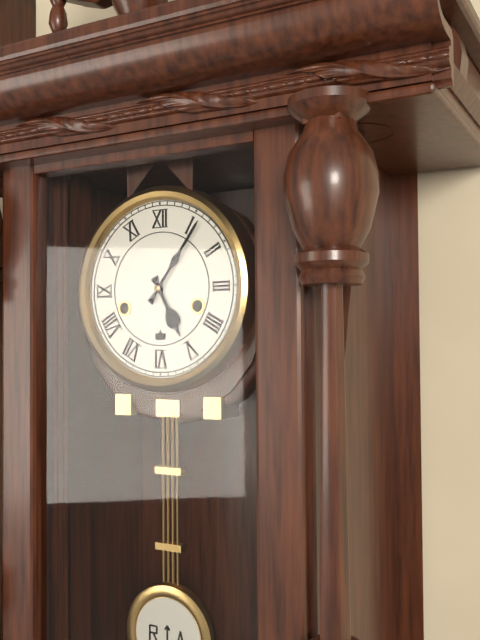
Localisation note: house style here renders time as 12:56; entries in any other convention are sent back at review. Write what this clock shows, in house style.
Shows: 5:06
